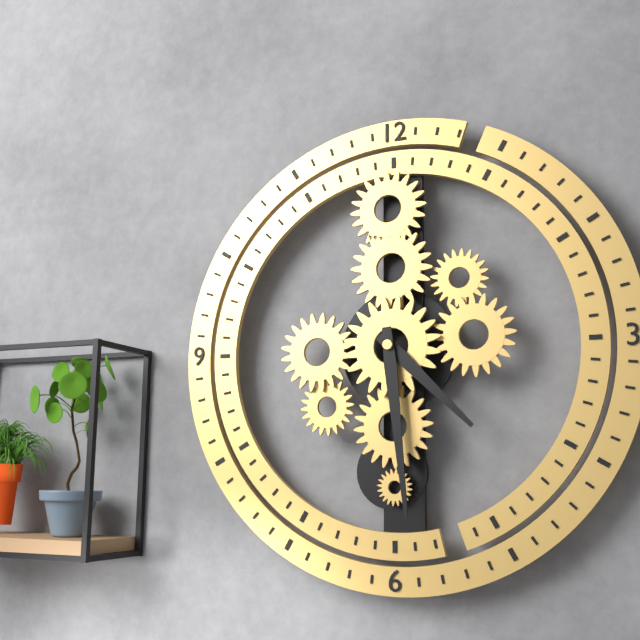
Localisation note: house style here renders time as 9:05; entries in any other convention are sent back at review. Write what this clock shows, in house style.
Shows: 4:29
